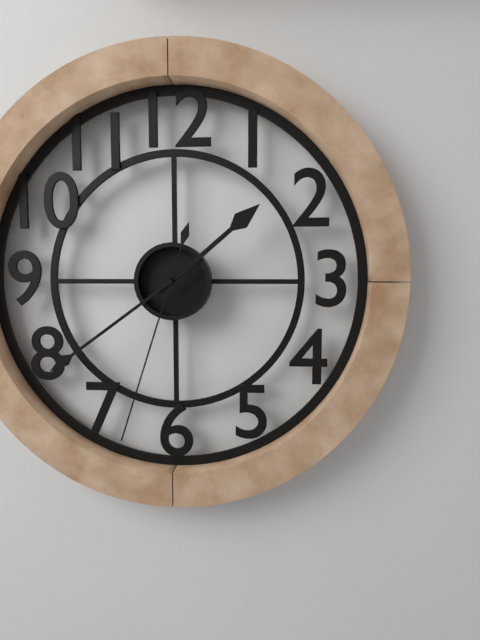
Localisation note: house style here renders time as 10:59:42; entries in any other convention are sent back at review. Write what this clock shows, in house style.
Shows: 1:39:33
